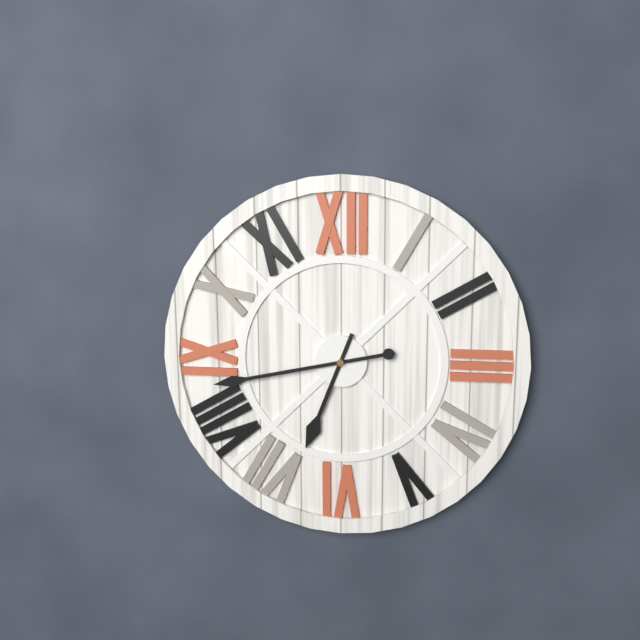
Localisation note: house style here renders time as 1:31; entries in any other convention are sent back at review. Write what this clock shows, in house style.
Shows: 6:43
